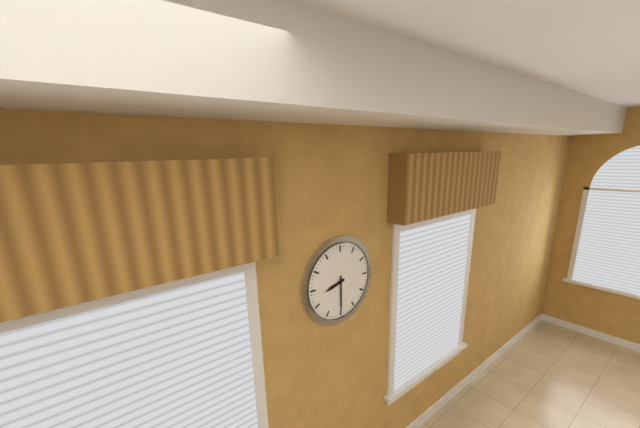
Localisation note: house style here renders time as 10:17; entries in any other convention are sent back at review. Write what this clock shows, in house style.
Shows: 8:30
